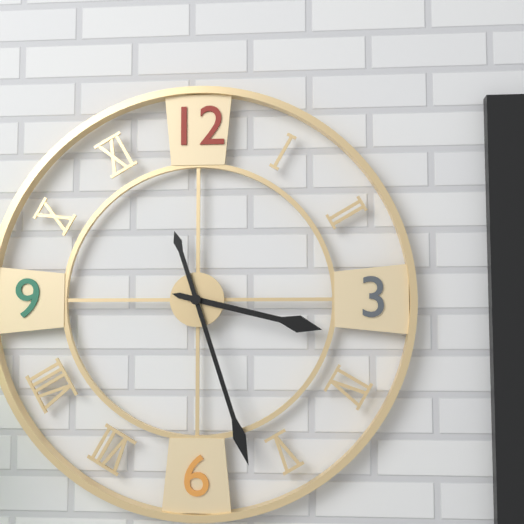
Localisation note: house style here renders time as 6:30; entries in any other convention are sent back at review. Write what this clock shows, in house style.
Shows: 3:27
